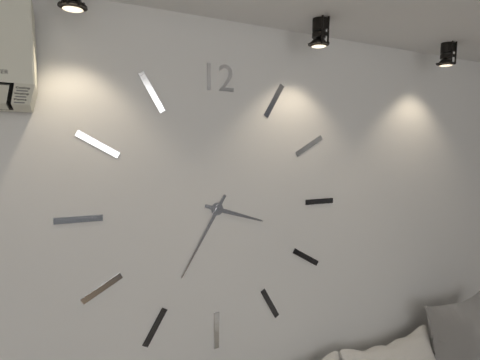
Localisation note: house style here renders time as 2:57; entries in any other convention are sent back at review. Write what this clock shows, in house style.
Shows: 3:35
